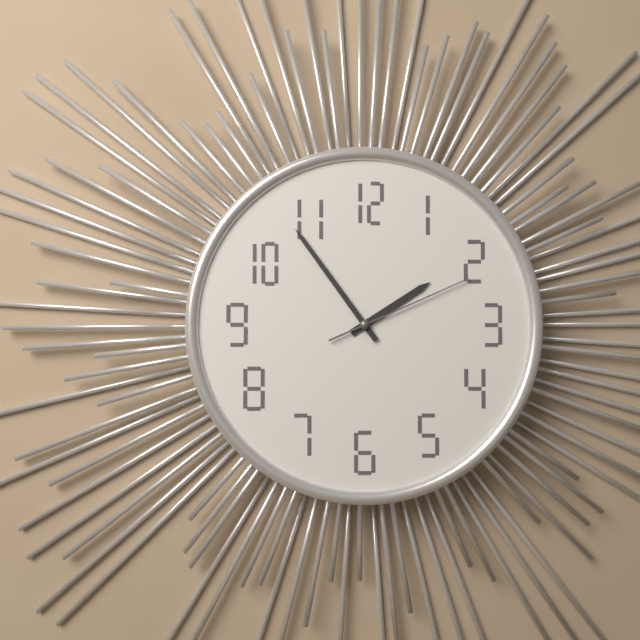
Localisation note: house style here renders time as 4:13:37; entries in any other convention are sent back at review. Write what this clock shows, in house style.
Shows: 1:54:11
